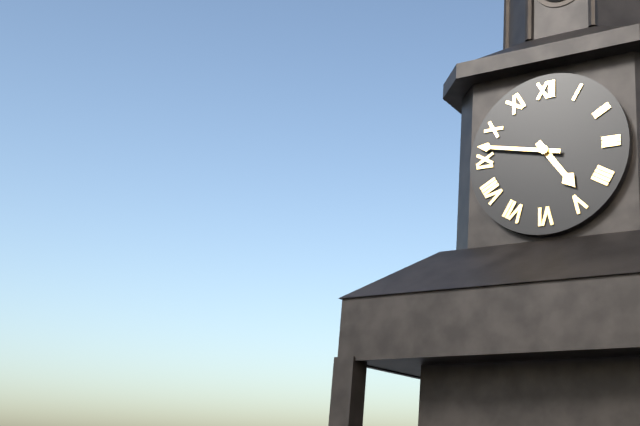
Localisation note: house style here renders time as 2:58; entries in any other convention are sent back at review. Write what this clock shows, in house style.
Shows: 4:47
